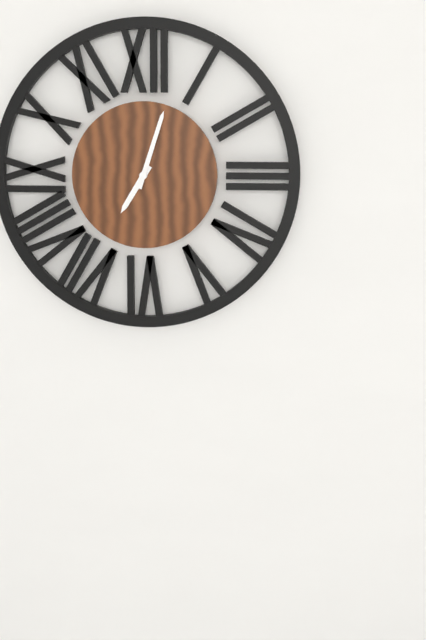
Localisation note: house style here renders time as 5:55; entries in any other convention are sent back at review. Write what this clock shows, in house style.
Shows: 7:03
